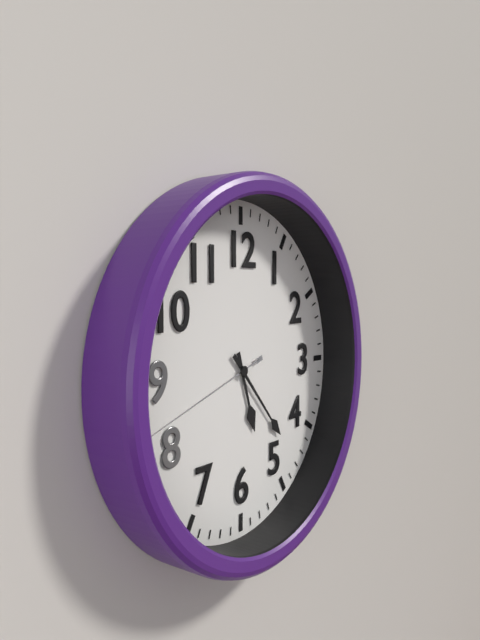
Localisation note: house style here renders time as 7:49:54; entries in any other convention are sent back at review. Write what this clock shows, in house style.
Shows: 5:23:42
